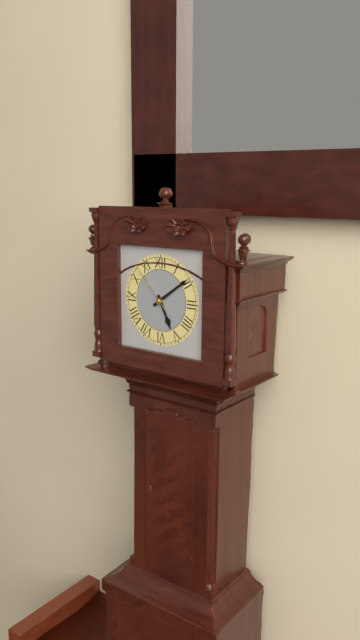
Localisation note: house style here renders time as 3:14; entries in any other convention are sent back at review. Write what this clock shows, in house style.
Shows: 5:09
